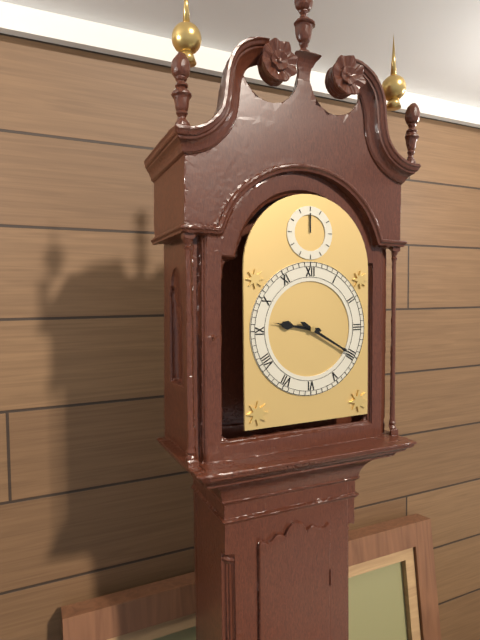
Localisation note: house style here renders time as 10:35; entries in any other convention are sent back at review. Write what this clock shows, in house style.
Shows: 9:20
